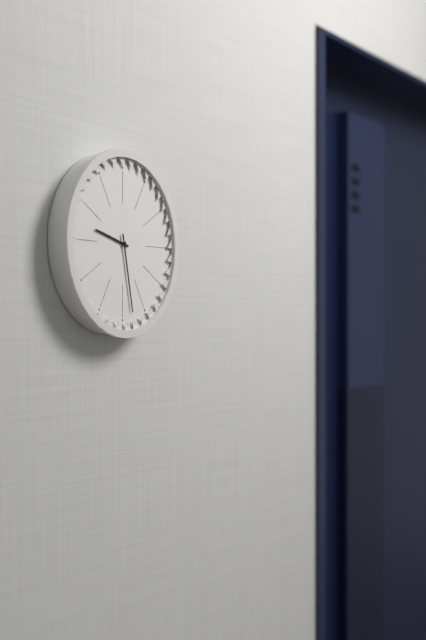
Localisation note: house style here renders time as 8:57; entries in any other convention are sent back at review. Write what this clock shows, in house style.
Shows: 9:28
